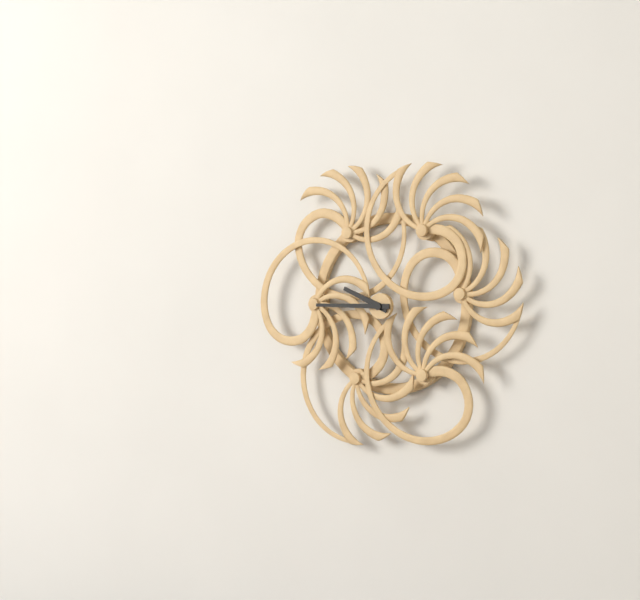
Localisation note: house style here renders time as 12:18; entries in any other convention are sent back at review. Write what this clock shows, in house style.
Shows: 9:45
